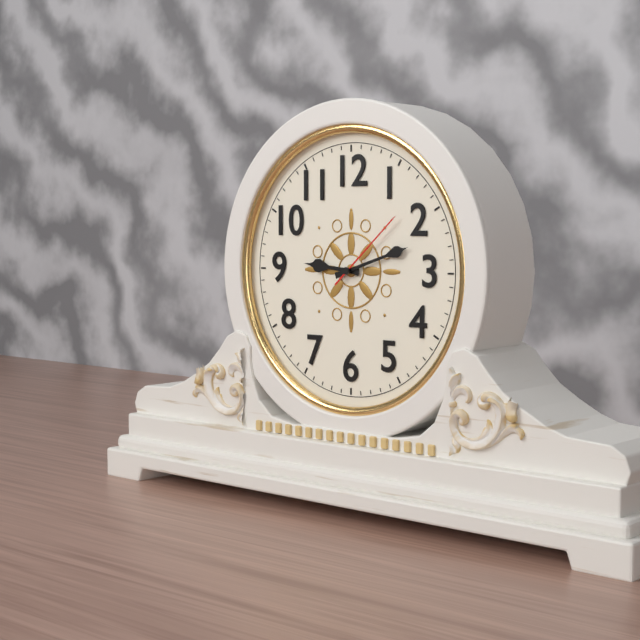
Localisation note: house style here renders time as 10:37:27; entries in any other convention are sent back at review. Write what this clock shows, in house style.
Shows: 9:12:08
